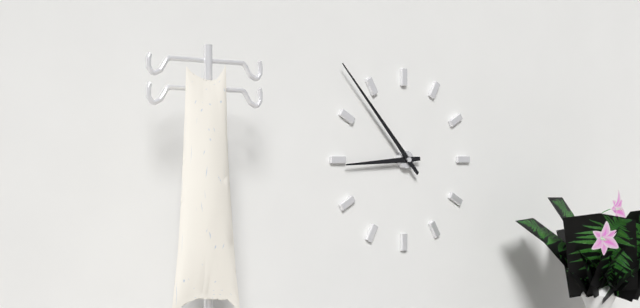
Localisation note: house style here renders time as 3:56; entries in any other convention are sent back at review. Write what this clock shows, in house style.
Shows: 8:53
